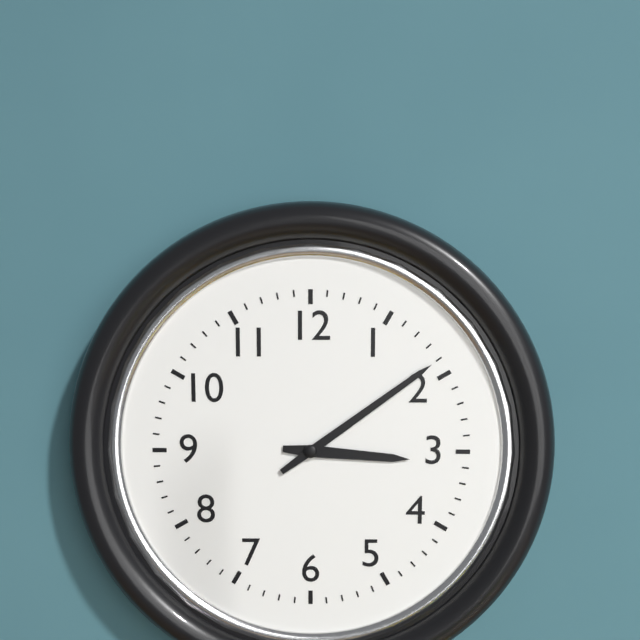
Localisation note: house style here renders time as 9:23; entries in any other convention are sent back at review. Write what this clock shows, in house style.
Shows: 3:09
